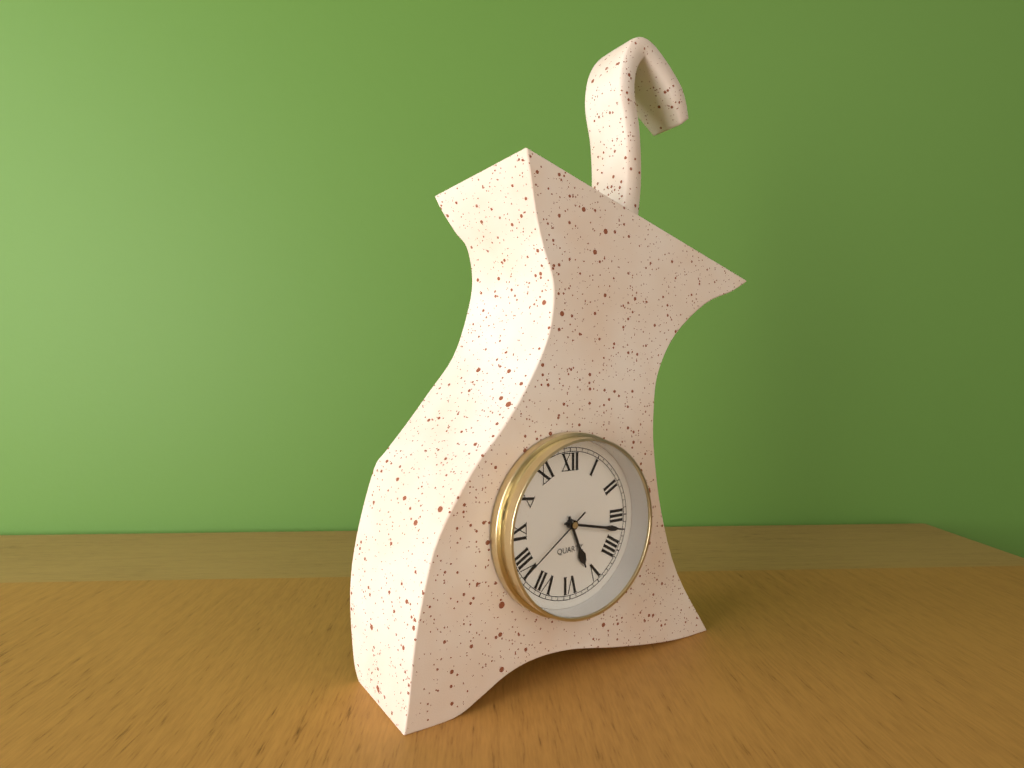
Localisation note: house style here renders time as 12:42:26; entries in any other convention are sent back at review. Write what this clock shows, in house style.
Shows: 5:17:39
